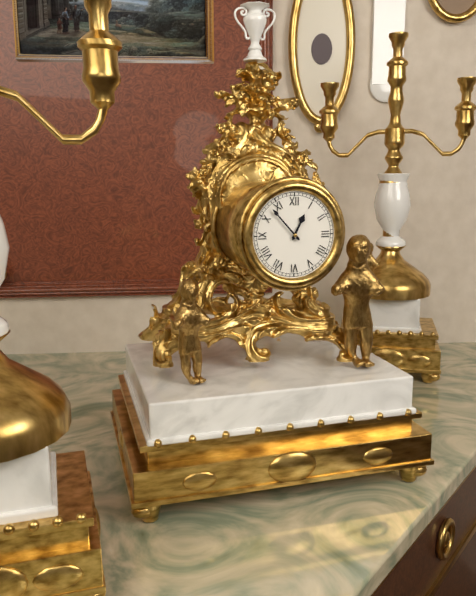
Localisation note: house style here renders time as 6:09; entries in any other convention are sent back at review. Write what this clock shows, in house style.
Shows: 12:53
